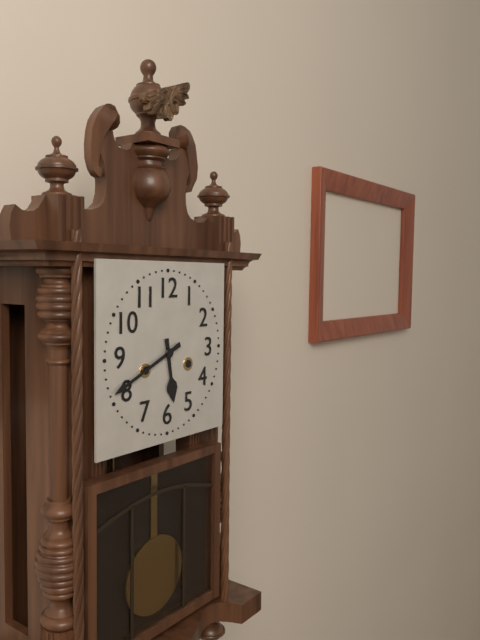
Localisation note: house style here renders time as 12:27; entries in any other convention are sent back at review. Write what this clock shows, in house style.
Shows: 5:41
